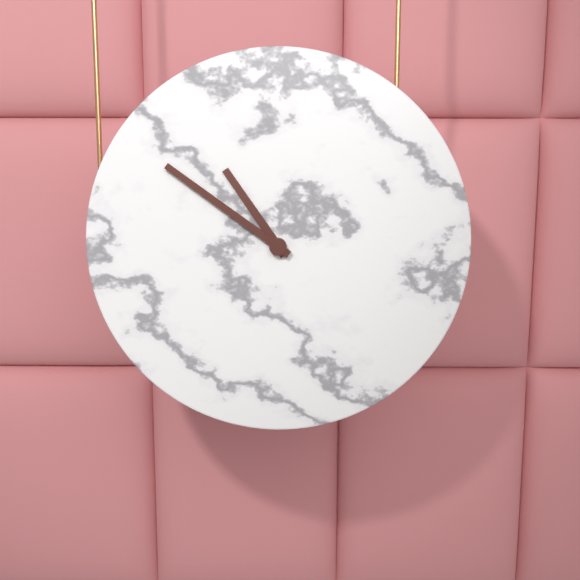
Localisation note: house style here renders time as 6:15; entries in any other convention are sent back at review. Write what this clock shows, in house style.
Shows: 10:51
